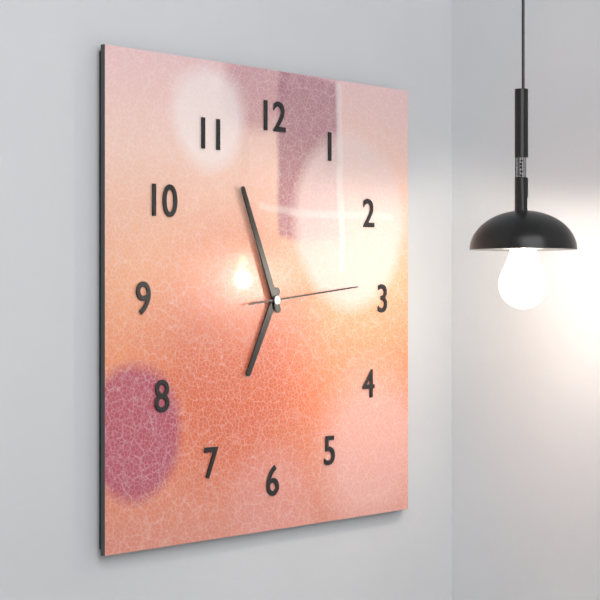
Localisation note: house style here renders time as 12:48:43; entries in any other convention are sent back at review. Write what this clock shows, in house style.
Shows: 6:56:14
